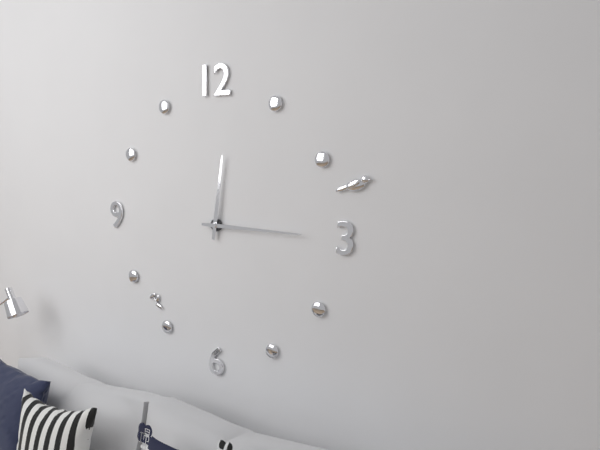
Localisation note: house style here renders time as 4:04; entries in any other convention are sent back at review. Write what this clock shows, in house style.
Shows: 12:15
